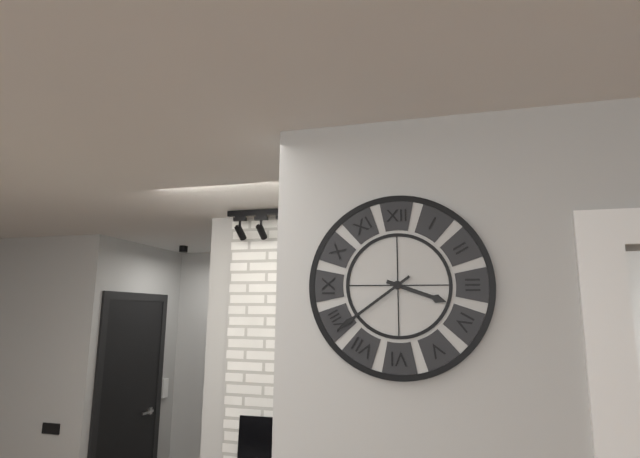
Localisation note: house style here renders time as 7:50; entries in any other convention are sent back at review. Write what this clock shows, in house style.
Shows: 3:39
